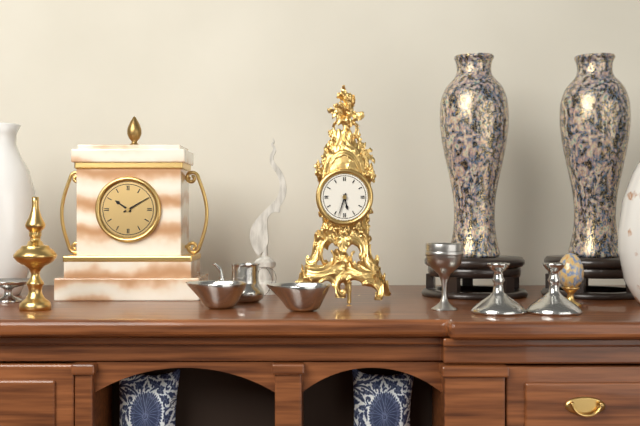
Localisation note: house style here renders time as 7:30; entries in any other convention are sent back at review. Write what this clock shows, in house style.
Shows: 5:33
